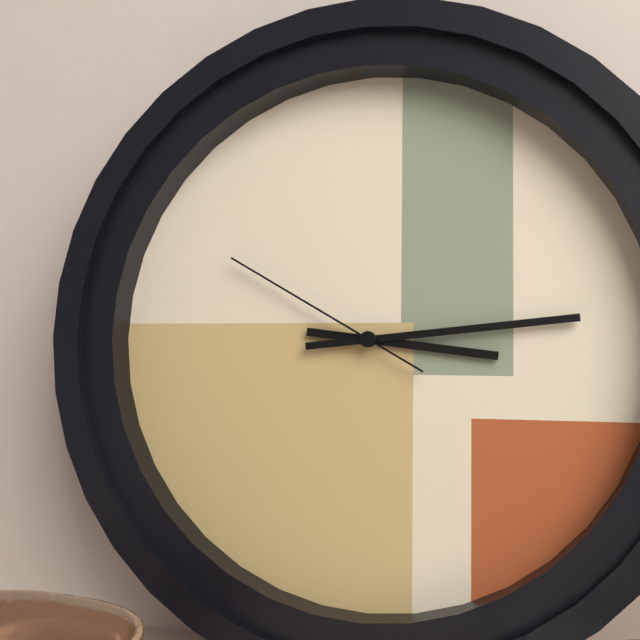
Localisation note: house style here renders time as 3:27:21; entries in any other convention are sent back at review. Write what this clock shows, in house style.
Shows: 3:14:50
